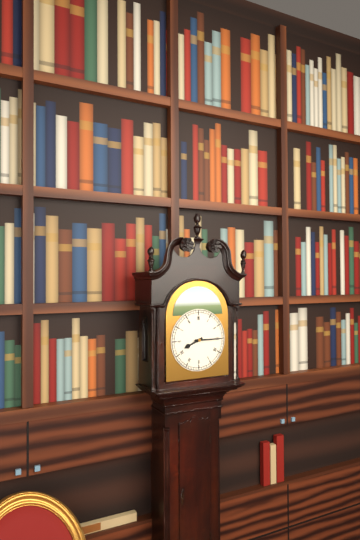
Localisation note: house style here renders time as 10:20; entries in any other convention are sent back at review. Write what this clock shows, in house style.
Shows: 8:15
